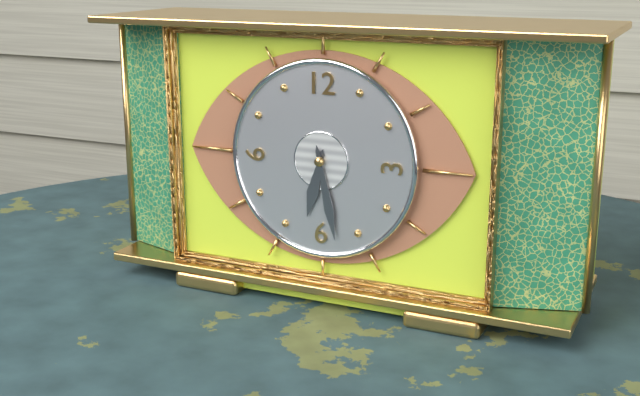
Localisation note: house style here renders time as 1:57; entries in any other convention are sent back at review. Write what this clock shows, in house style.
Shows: 6:28
